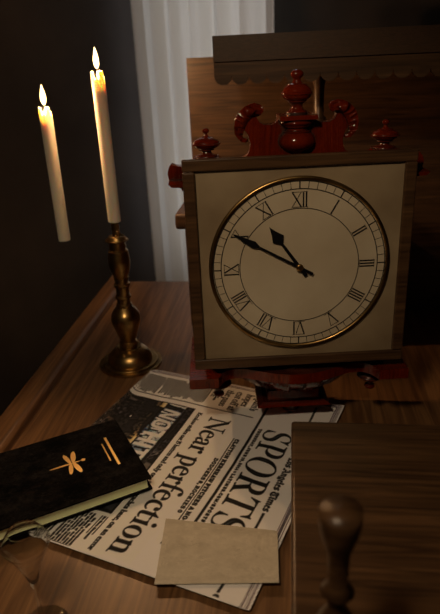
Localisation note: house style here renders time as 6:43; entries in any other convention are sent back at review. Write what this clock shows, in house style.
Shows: 10:50
